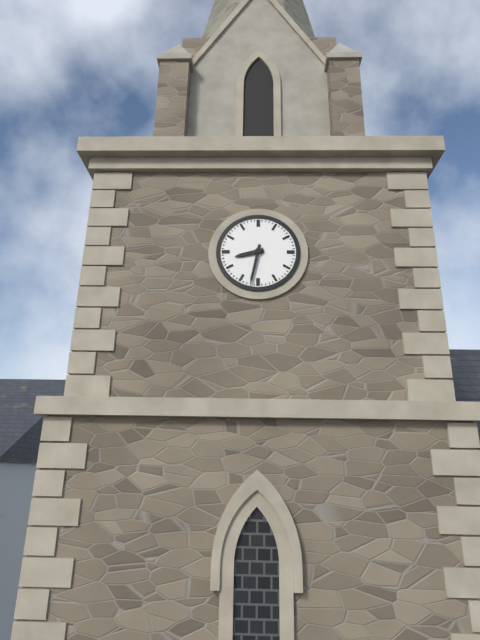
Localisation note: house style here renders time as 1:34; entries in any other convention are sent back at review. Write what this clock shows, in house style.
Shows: 8:32
